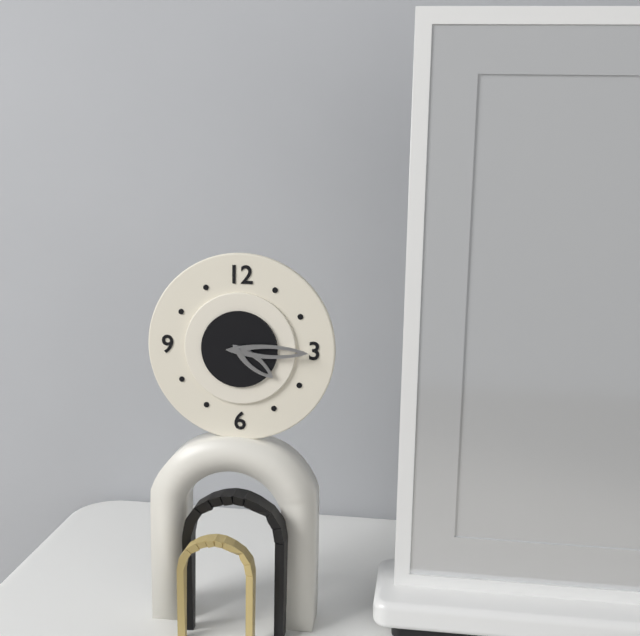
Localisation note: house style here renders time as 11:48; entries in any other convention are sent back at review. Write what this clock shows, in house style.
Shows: 4:15
